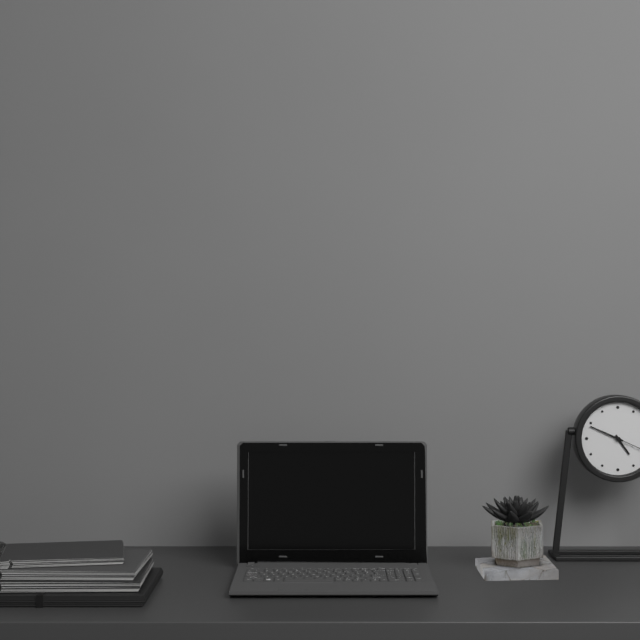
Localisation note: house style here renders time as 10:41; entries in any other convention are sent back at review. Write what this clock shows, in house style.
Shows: 4:49
